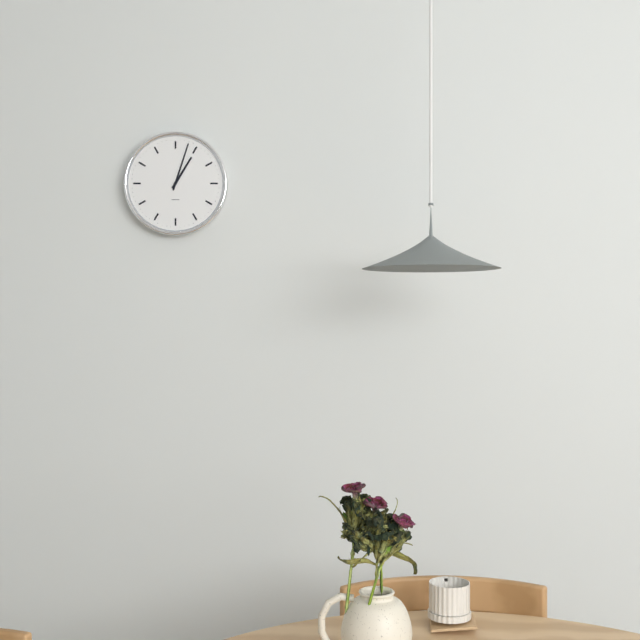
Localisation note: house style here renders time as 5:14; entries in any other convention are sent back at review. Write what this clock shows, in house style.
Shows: 1:03
